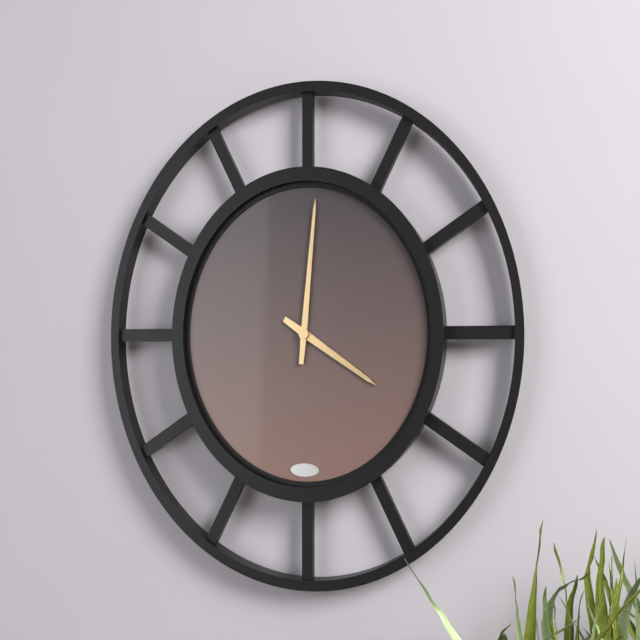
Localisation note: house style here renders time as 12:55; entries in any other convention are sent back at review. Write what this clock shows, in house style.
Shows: 4:01
